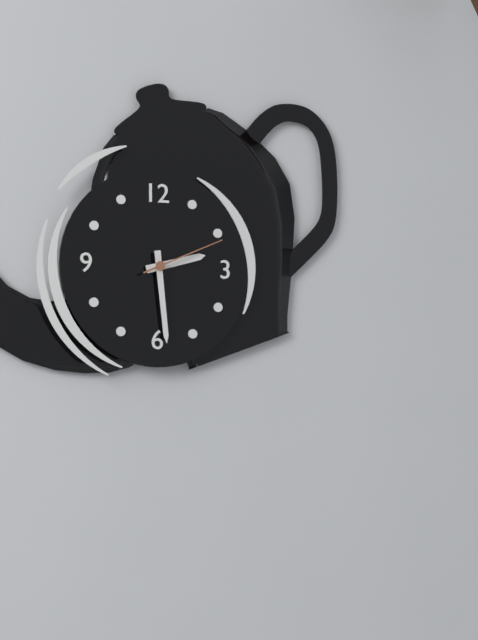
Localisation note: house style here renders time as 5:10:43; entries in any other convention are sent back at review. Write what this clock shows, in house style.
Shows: 2:29:11
